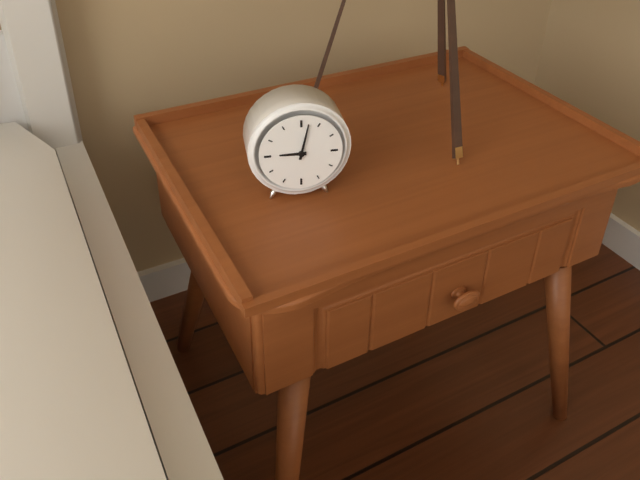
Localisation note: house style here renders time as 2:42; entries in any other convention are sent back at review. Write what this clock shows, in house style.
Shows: 9:02
